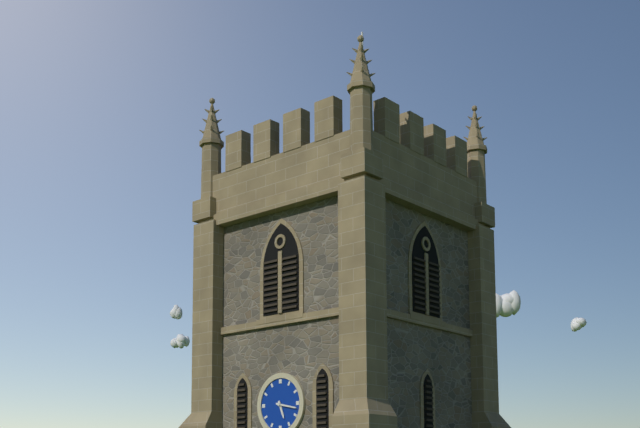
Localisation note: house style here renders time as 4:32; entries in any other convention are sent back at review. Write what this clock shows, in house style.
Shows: 5:17
